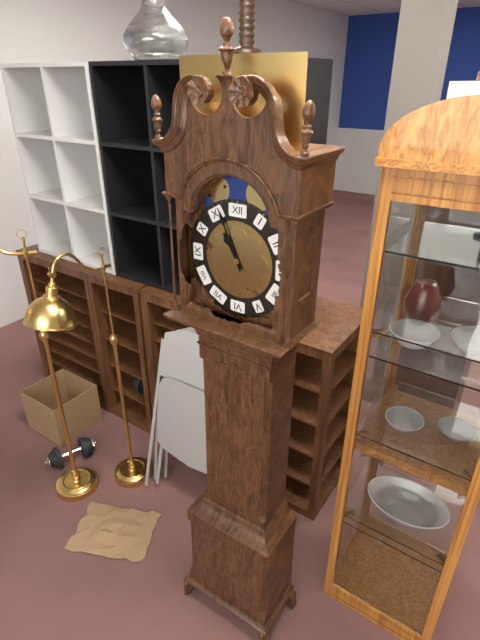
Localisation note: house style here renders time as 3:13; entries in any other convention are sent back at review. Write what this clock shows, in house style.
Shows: 10:56
